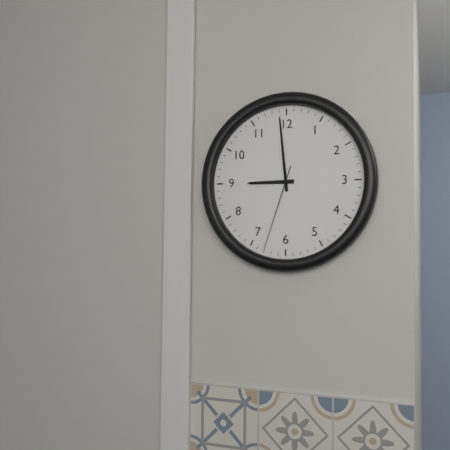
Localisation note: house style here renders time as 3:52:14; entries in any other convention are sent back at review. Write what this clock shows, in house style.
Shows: 8:59:33
